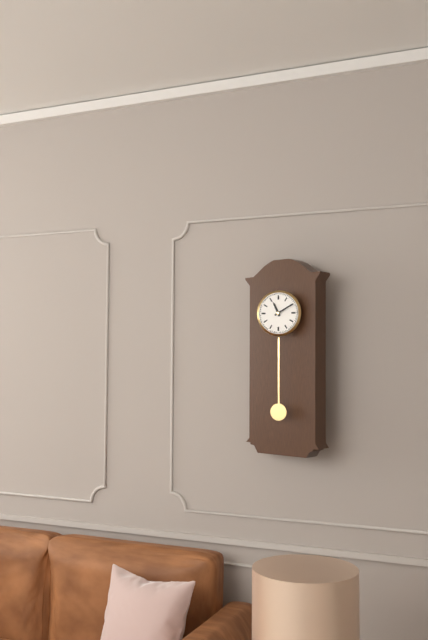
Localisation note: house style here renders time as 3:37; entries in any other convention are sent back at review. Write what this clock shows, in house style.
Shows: 11:10
